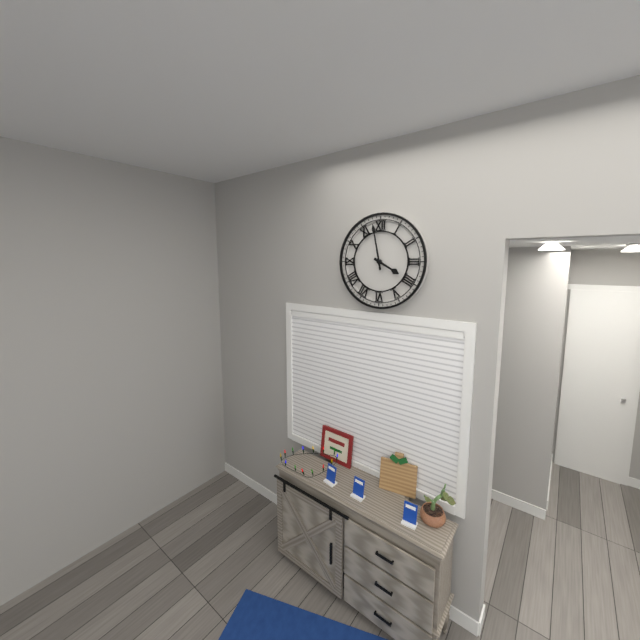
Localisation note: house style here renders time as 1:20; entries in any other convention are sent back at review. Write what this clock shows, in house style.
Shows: 3:58
